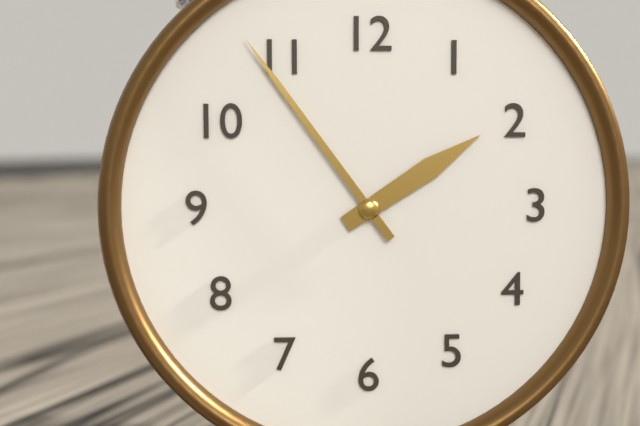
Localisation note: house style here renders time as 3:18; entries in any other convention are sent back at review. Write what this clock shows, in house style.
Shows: 1:54
